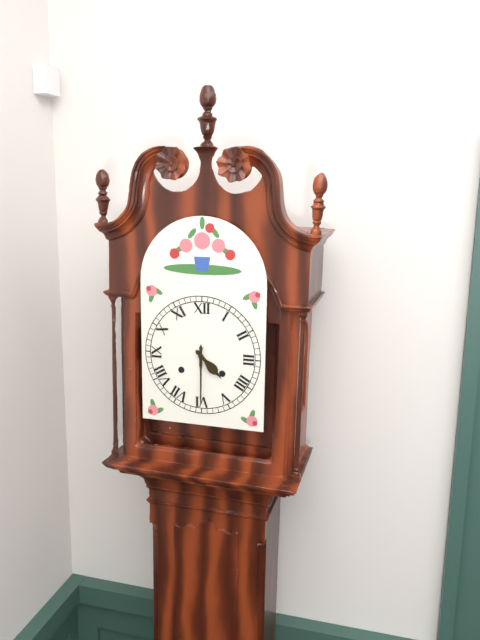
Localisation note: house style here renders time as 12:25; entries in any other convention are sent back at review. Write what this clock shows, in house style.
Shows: 4:30
